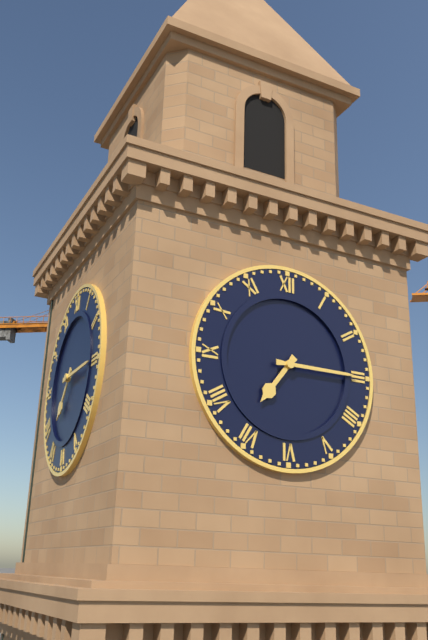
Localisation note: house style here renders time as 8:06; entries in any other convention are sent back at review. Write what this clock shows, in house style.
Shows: 7:15
